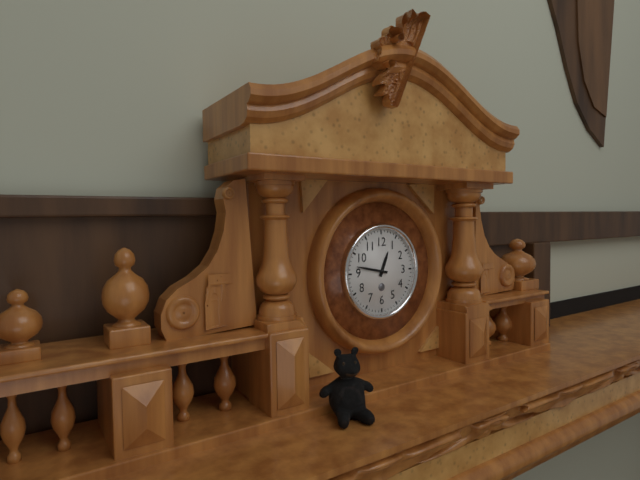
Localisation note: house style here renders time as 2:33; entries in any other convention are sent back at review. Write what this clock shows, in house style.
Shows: 12:47
